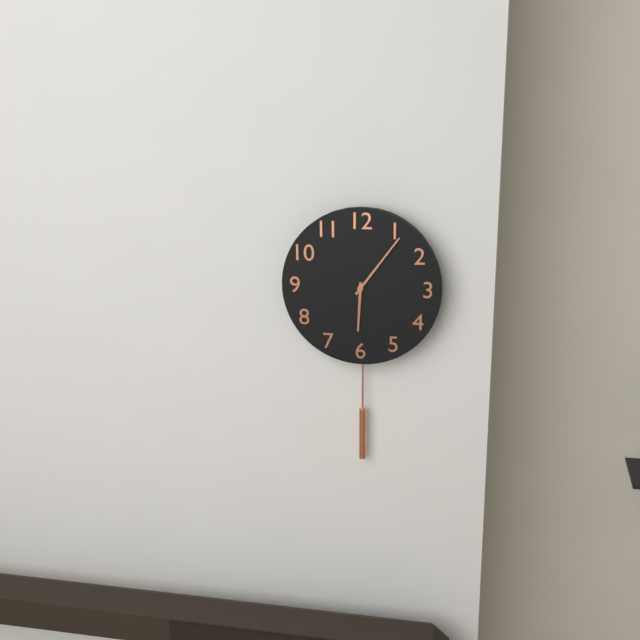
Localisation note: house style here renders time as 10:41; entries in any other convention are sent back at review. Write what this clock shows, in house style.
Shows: 6:06
